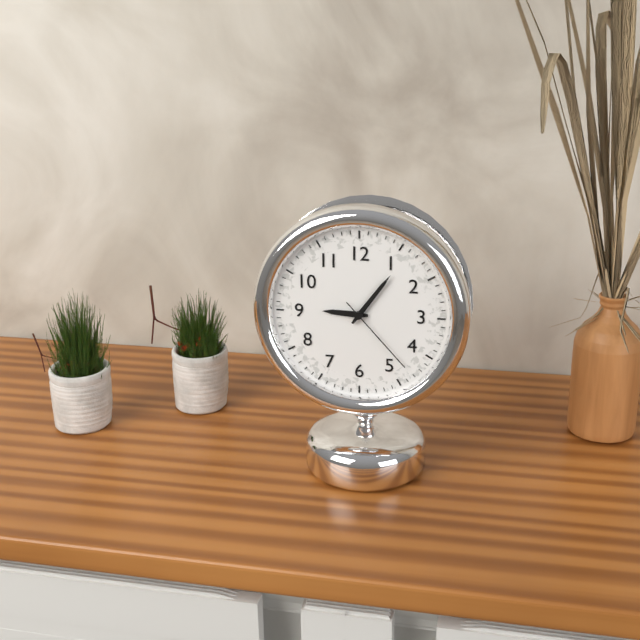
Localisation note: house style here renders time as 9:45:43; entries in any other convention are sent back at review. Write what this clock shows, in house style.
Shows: 9:06:23
